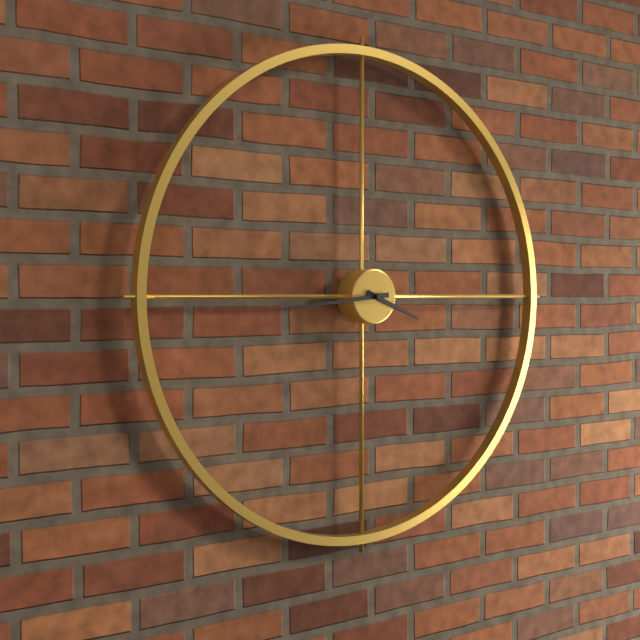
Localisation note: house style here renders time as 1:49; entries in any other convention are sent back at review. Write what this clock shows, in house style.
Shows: 3:44
